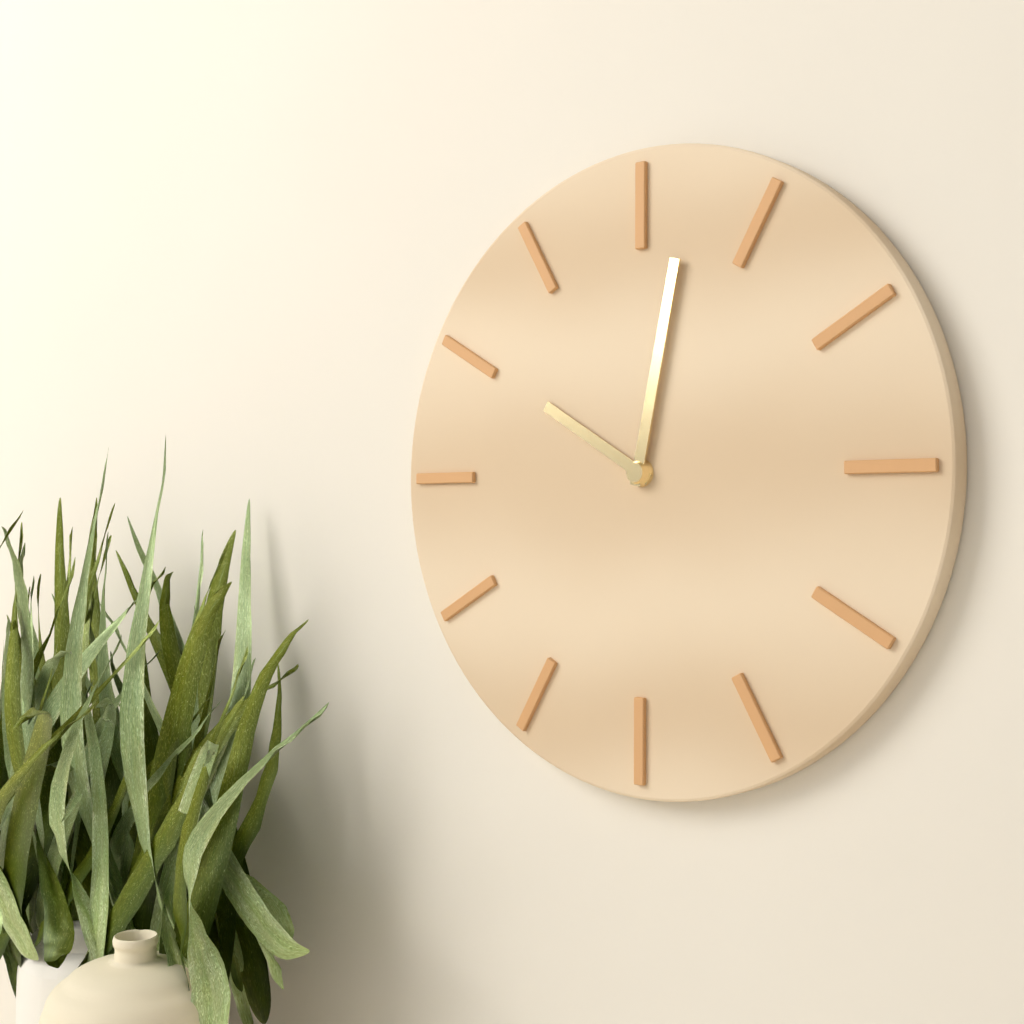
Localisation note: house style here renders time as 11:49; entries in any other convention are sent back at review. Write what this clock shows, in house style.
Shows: 10:02
